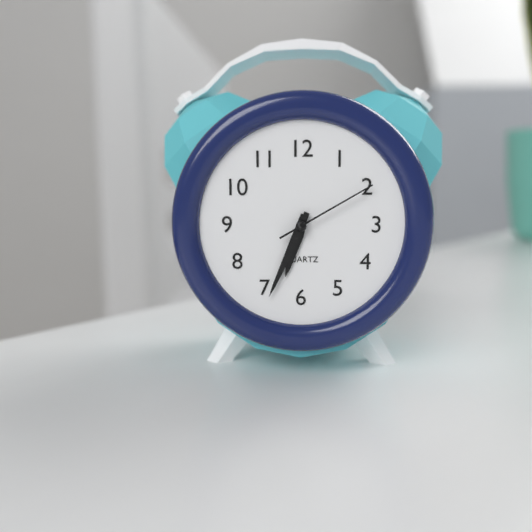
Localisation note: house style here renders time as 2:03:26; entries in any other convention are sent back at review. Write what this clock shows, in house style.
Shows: 6:34:10
